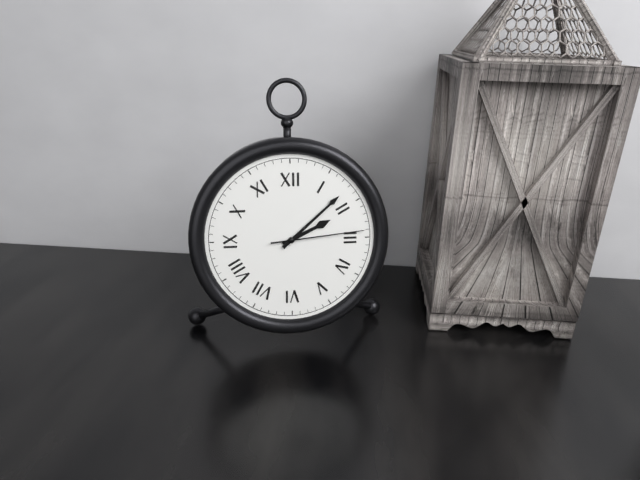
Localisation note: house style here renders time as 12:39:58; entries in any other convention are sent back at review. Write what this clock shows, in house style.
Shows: 2:08:14
